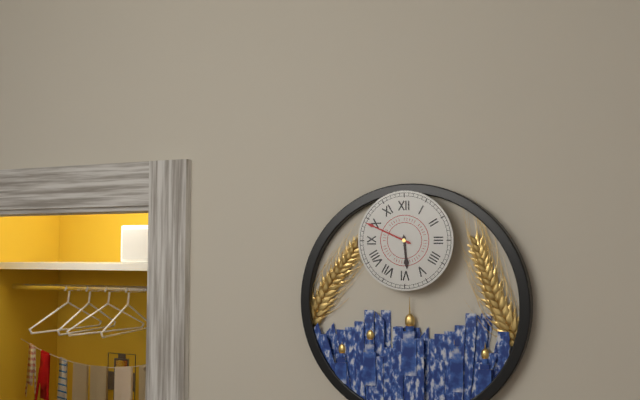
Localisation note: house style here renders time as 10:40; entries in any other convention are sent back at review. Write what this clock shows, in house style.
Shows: 5:49
